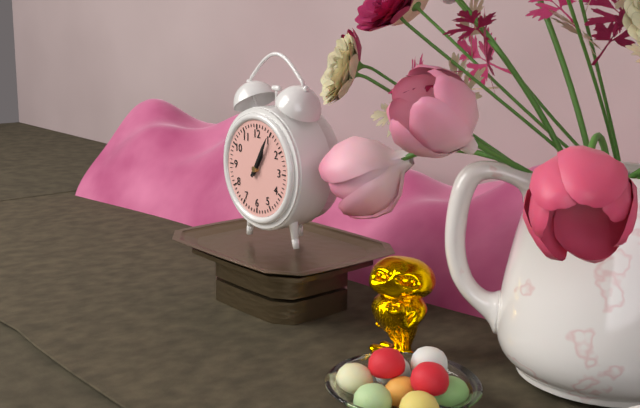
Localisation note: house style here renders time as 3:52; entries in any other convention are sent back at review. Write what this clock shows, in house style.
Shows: 1:05
